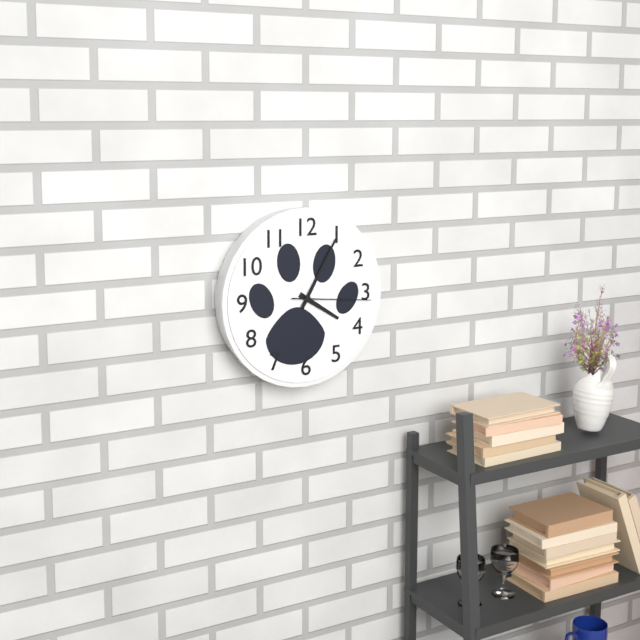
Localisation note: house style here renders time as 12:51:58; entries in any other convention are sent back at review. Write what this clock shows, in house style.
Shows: 4:05:16
